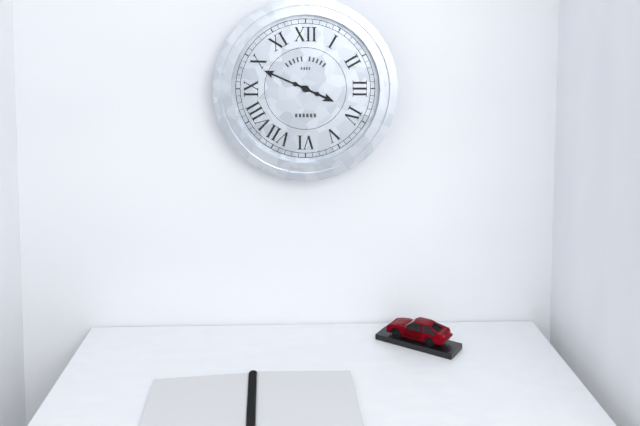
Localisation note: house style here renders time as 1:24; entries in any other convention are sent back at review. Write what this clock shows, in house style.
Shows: 3:49
